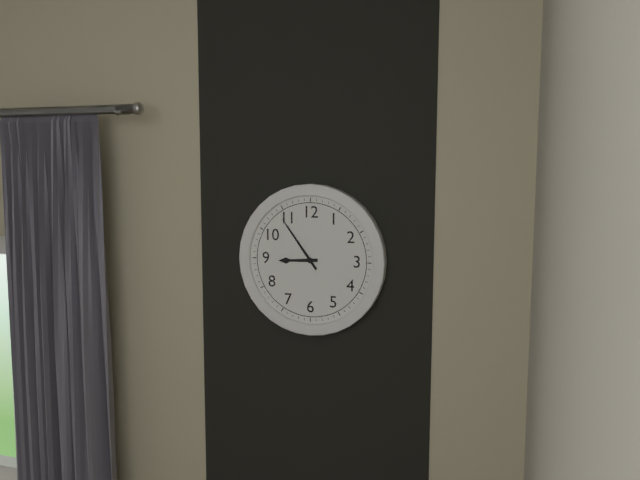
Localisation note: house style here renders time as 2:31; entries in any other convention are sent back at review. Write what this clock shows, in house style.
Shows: 8:54
